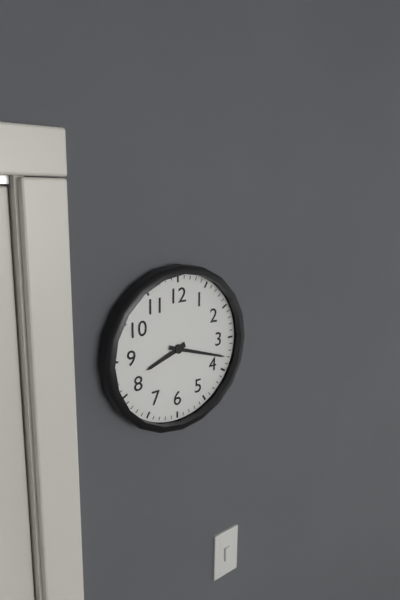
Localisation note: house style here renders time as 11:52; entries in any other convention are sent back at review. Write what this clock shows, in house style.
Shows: 8:18
